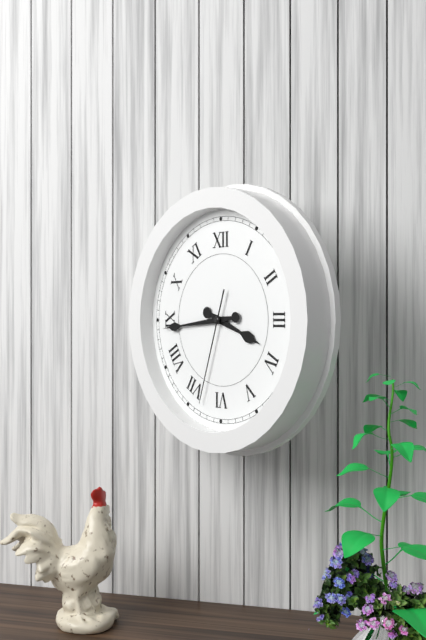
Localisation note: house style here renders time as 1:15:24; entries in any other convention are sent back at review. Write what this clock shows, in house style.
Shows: 3:44:33
